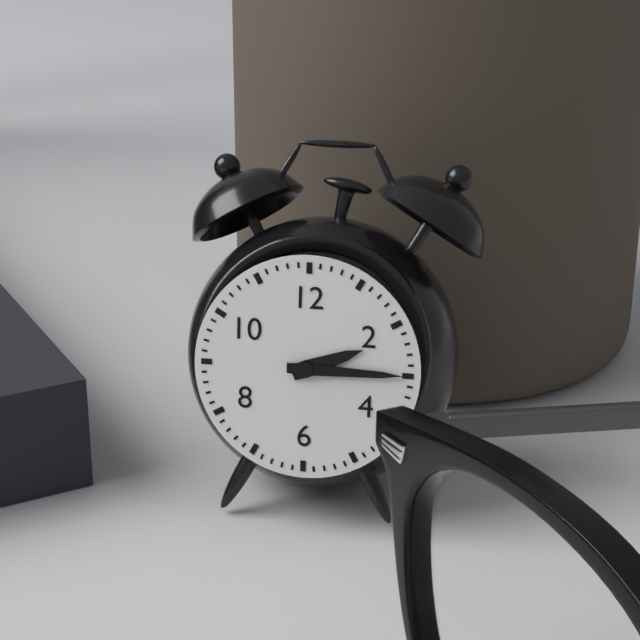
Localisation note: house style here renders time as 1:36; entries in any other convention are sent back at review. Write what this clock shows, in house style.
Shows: 2:15
